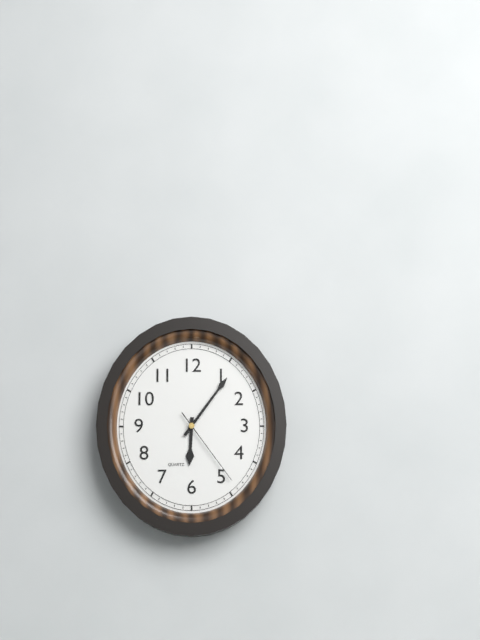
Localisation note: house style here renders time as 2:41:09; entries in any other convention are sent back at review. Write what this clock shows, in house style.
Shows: 6:06:24
